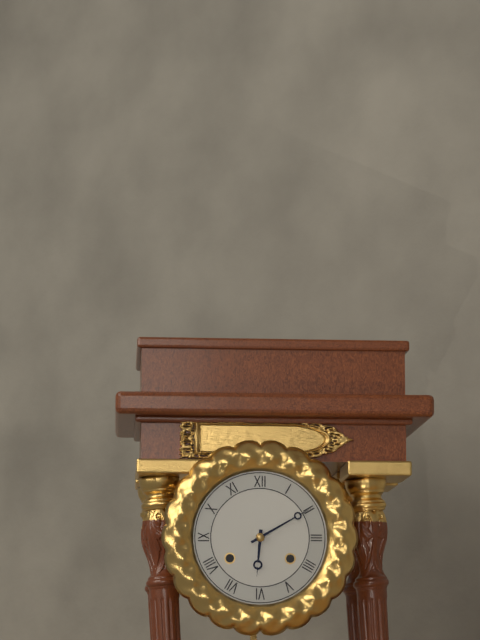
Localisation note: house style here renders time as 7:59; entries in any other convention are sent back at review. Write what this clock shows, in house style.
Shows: 6:10
